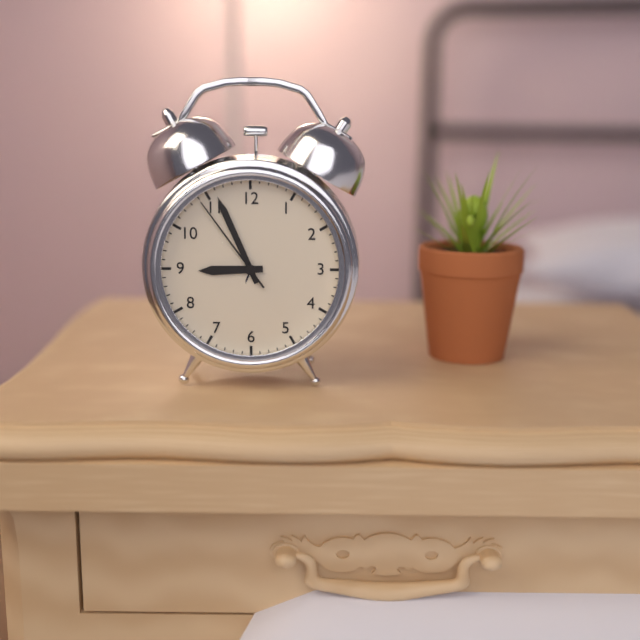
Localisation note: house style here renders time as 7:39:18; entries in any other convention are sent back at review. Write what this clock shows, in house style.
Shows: 8:56:54
